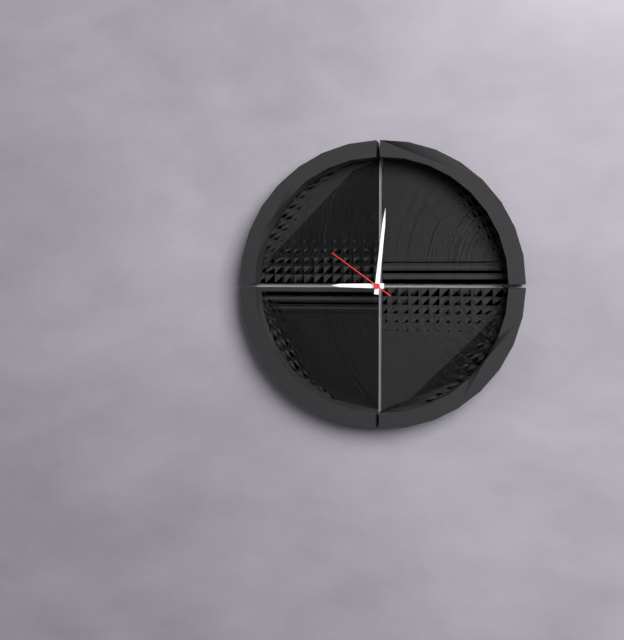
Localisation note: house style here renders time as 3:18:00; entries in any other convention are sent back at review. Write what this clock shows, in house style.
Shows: 9:01:51
